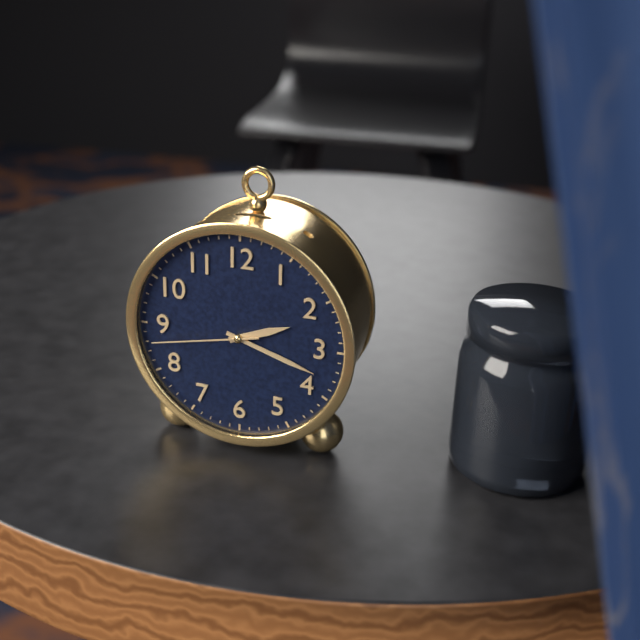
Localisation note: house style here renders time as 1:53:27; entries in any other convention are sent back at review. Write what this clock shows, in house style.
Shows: 2:18:43
